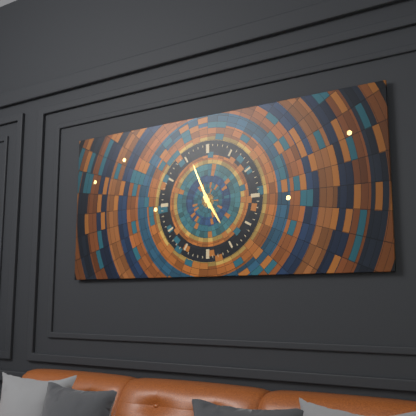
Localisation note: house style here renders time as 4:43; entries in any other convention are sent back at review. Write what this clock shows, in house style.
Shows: 4:56
